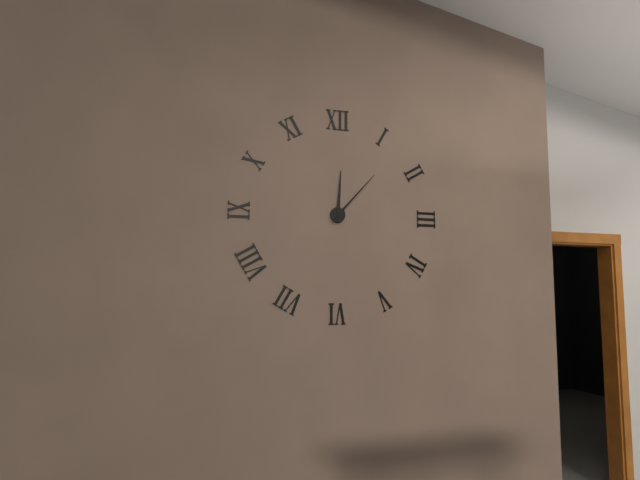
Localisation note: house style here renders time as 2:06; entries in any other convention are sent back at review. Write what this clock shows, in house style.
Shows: 12:07
